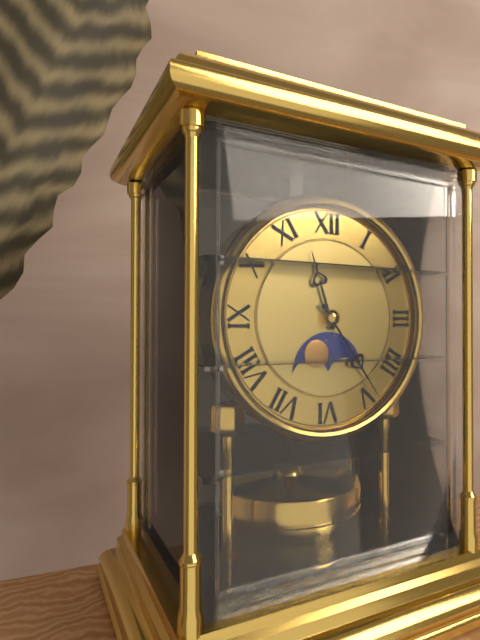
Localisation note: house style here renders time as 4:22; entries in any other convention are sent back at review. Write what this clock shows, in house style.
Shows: 11:24
